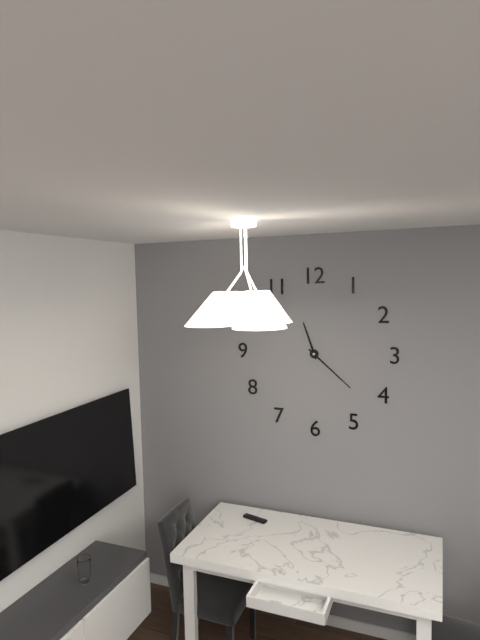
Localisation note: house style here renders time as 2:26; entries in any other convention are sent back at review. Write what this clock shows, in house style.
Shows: 11:22
